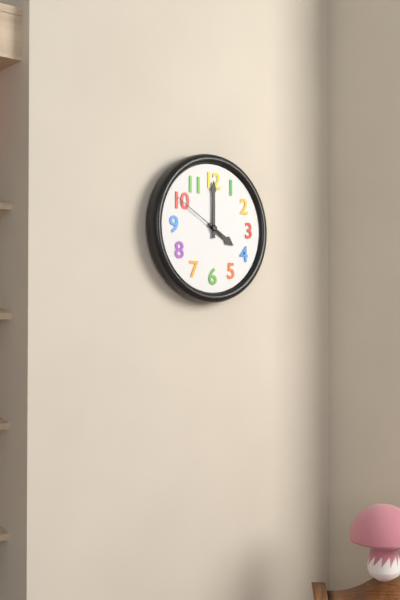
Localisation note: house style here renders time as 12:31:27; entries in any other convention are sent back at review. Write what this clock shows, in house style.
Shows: 4:00:50
